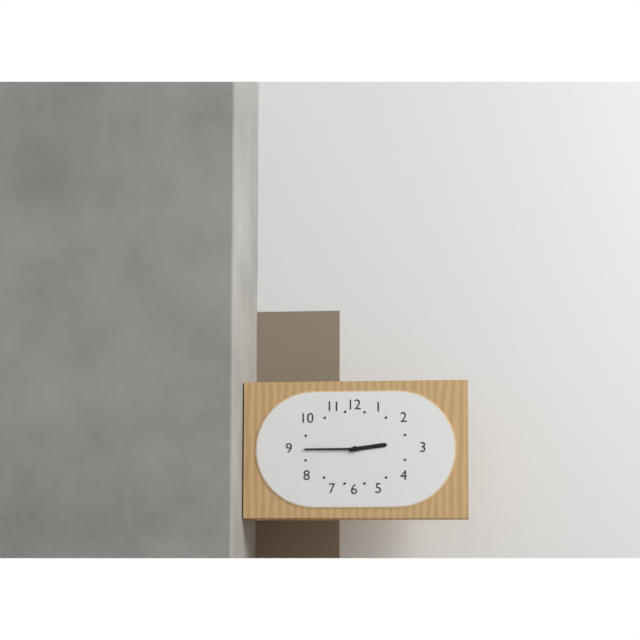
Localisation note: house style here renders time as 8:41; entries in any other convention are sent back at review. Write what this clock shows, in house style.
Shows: 2:45
